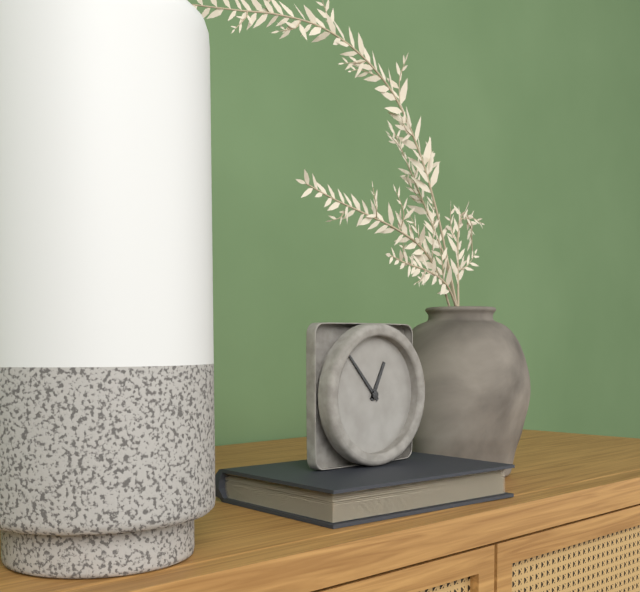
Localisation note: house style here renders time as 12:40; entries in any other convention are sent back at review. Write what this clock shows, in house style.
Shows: 12:53
